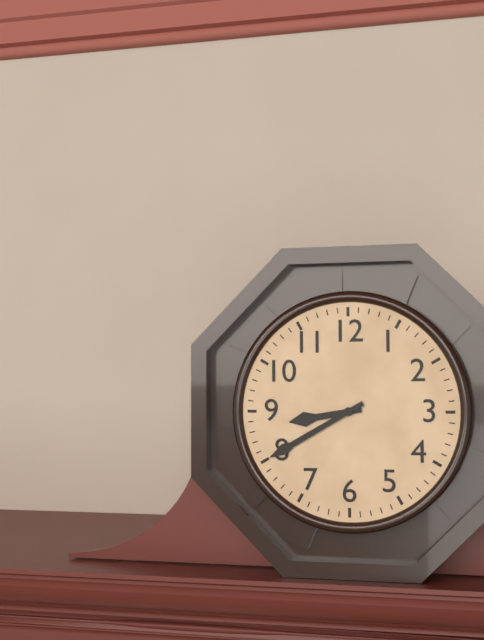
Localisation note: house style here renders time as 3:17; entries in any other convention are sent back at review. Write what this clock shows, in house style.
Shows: 8:40
